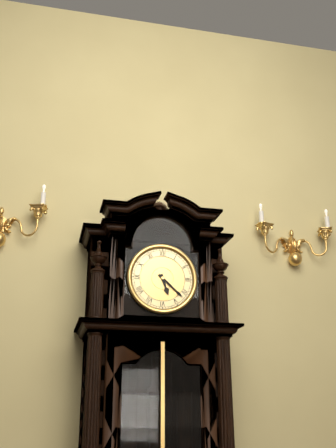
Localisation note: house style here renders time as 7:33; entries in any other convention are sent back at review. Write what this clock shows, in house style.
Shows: 5:22
